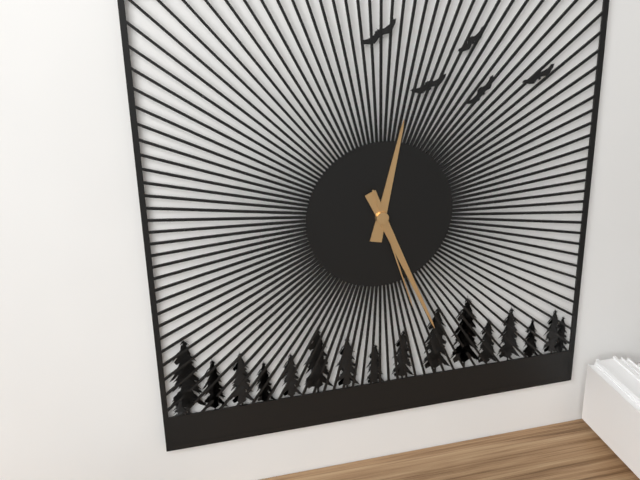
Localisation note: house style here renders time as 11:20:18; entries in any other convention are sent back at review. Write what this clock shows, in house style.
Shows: 12:26:27
